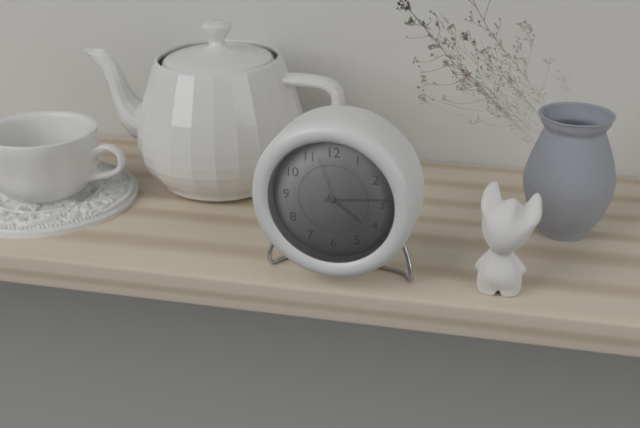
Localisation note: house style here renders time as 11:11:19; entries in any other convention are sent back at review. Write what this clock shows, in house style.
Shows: 4:14:57
